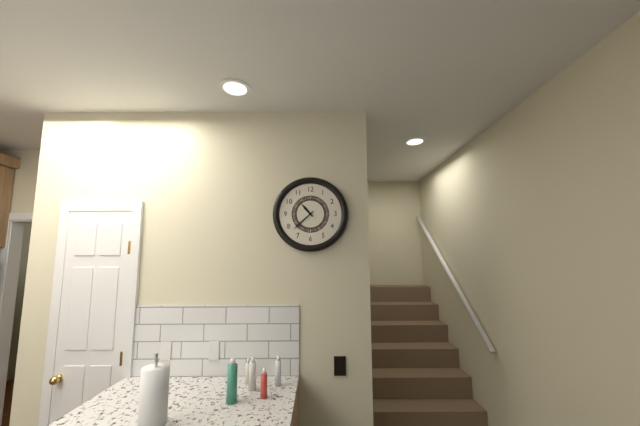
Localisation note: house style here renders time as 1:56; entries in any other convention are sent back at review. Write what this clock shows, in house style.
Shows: 10:38
